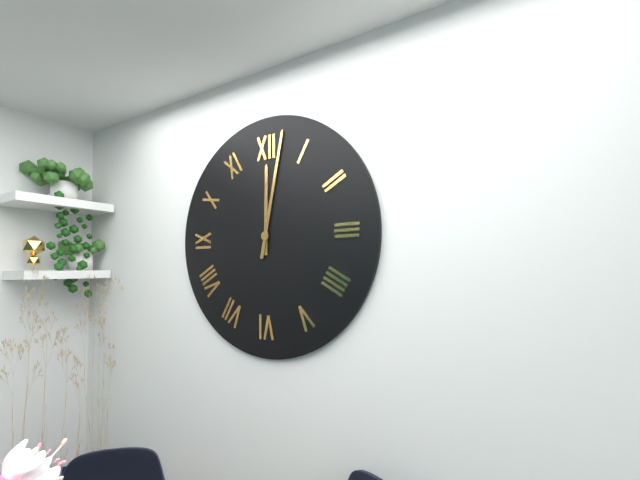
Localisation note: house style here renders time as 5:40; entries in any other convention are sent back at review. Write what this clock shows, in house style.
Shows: 12:02
